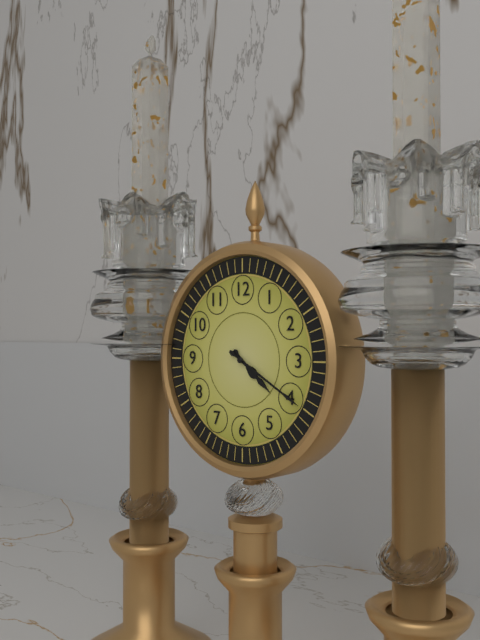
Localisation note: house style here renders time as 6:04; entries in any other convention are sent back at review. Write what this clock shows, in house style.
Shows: 4:20
